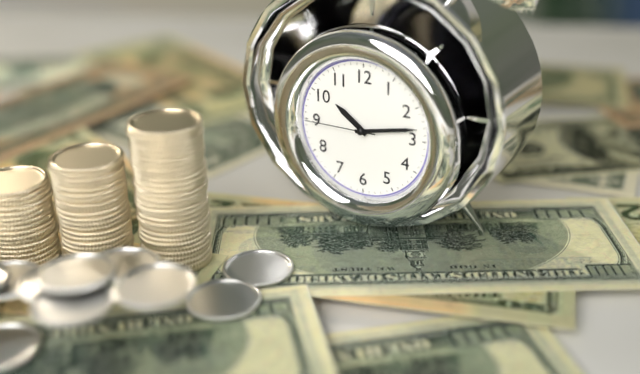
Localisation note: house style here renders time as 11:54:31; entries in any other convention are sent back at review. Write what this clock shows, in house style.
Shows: 10:13:45
